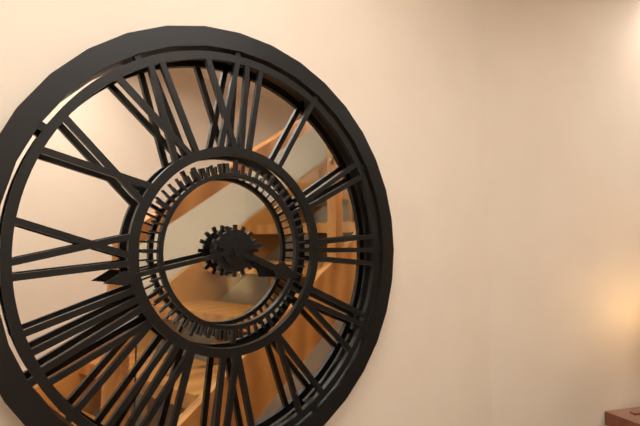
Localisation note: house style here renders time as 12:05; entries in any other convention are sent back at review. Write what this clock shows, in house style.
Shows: 3:43
